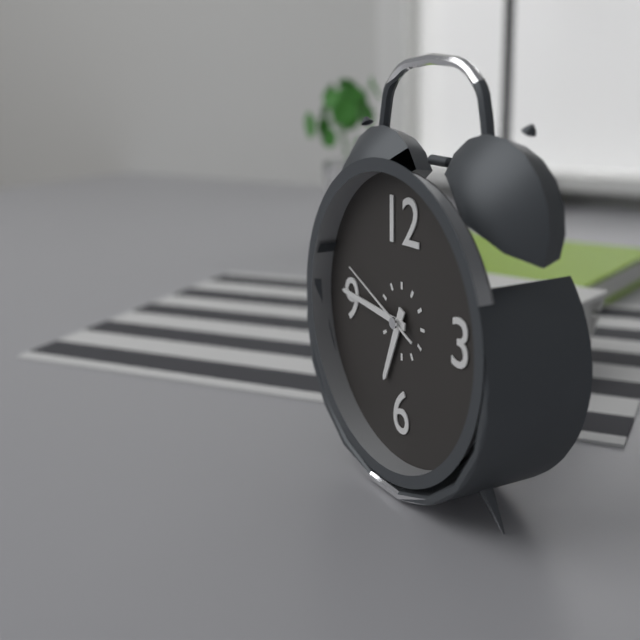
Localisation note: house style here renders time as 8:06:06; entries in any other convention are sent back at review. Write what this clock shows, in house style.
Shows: 6:46:49
